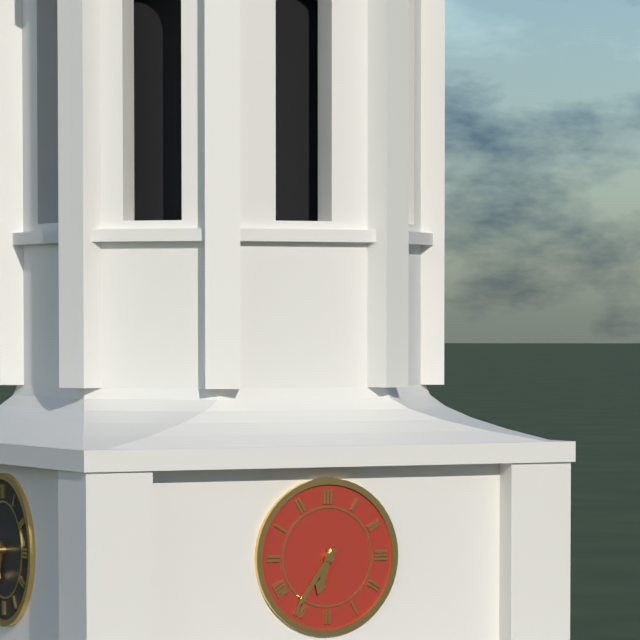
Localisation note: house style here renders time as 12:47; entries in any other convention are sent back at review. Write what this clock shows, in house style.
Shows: 6:36
